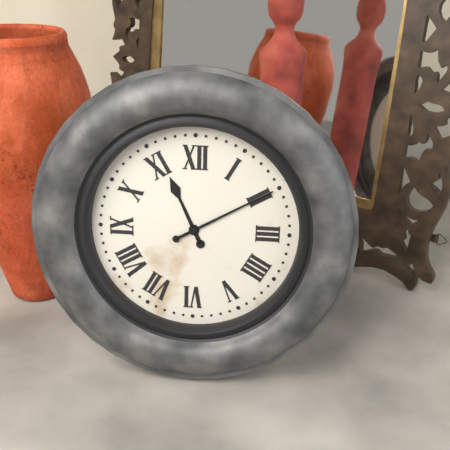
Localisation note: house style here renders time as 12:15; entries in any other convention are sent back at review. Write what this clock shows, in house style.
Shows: 11:10
